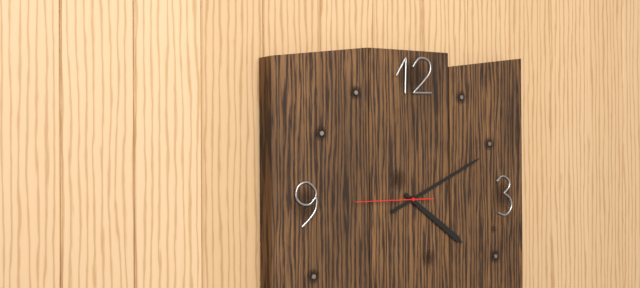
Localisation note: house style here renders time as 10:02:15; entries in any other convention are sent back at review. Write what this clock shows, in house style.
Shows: 4:11:45
